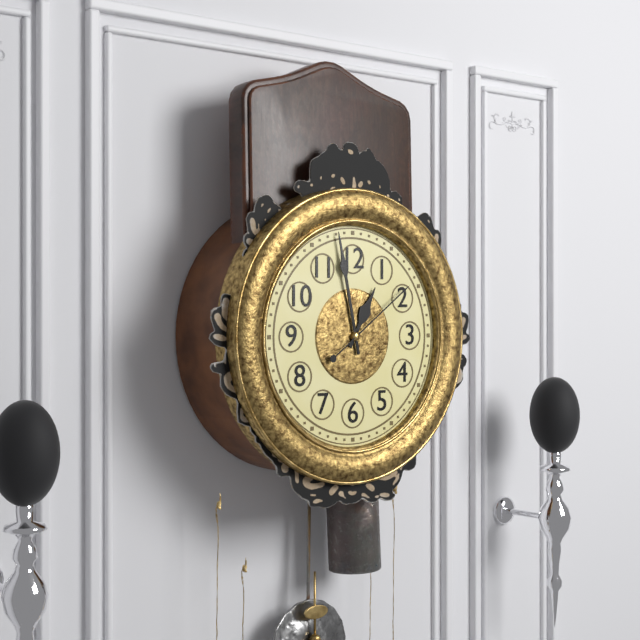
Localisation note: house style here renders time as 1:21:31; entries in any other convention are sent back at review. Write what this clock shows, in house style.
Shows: 12:58:09
